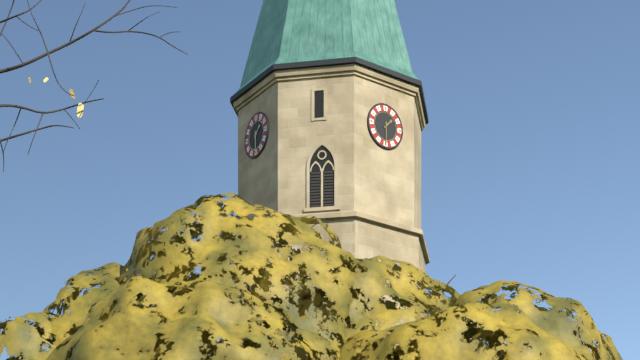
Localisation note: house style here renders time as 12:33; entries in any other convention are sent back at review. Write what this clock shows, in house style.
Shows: 1:30
